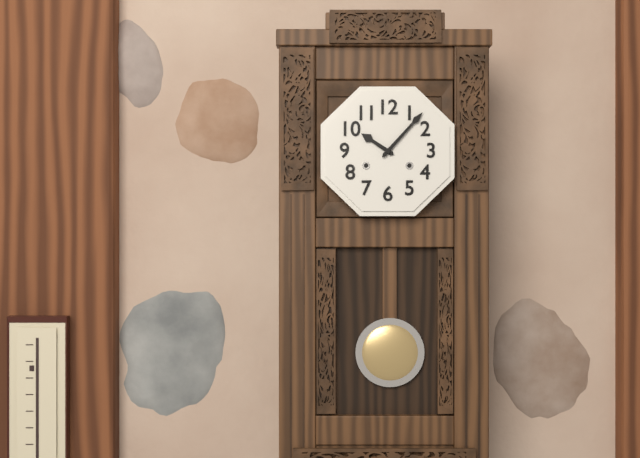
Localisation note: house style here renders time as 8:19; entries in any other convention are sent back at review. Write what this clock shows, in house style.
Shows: 10:07
